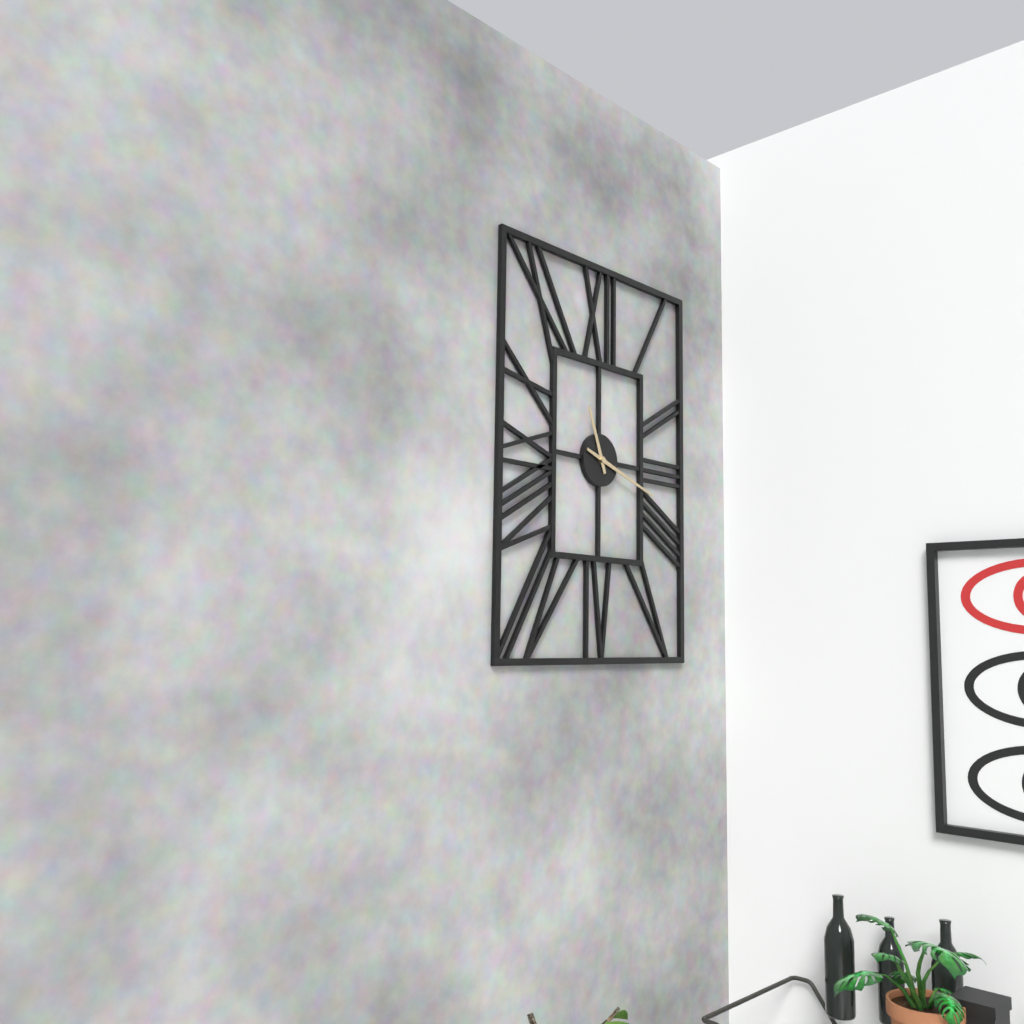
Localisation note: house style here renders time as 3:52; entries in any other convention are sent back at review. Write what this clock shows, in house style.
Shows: 11:18
